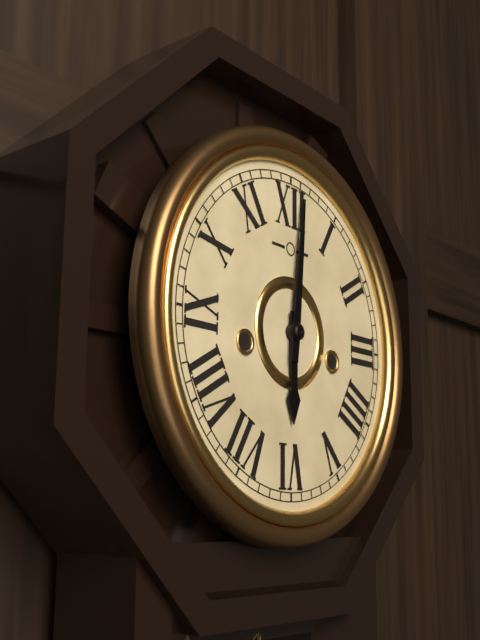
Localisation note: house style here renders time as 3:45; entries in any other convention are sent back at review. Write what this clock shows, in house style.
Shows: 6:01
